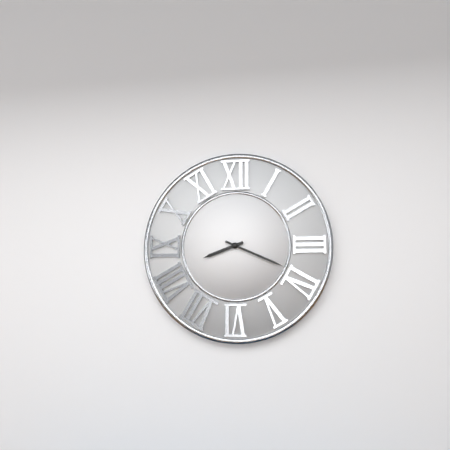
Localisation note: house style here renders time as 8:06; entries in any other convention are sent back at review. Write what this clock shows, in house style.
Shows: 8:19
